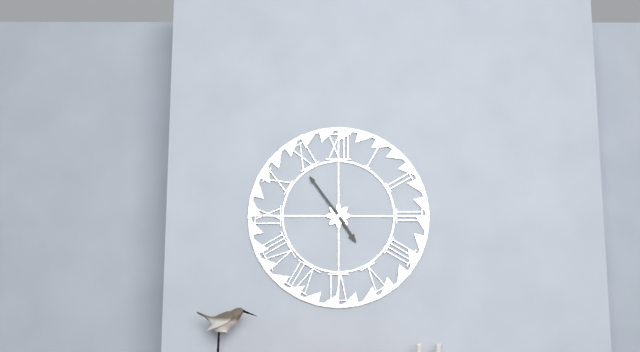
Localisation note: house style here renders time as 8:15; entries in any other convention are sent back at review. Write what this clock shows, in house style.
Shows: 4:54
